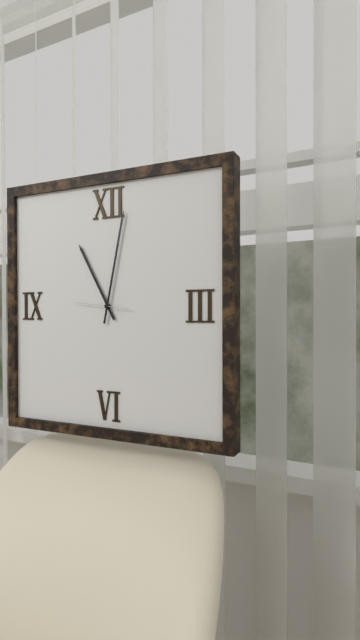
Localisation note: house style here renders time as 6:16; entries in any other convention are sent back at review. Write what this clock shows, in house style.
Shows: 11:02
